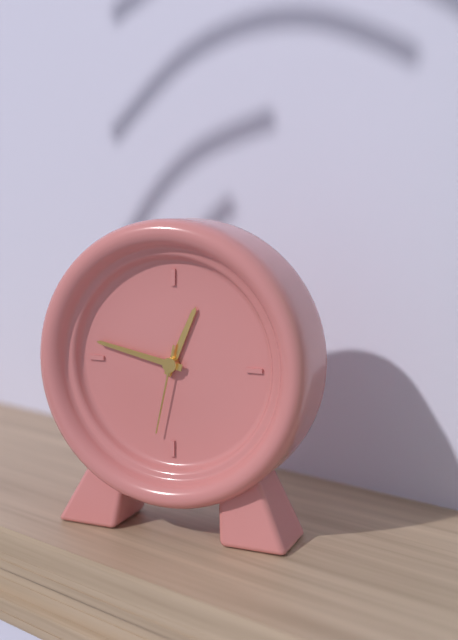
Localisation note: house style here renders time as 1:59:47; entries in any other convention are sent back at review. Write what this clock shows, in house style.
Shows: 12:47:32
